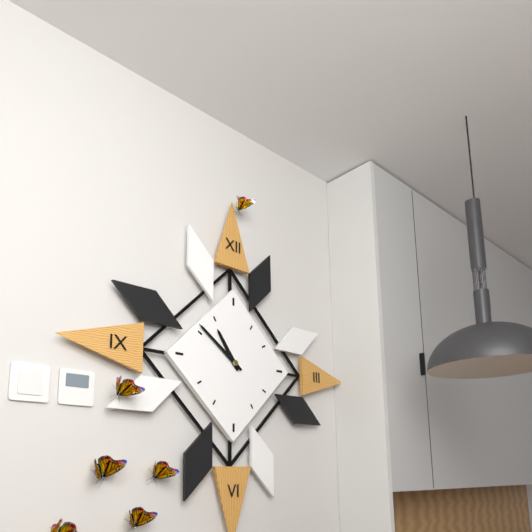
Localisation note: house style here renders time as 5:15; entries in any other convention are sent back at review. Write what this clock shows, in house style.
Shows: 10:51
